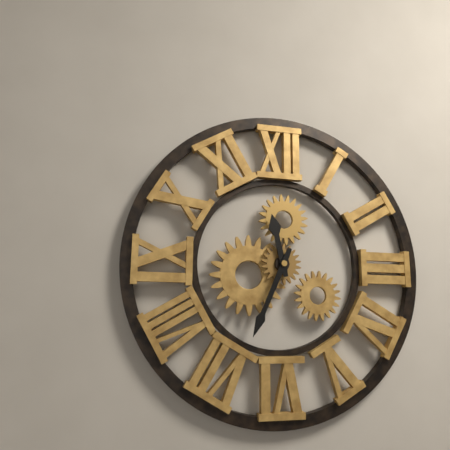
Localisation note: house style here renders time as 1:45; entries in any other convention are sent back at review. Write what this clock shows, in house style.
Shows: 11:34
